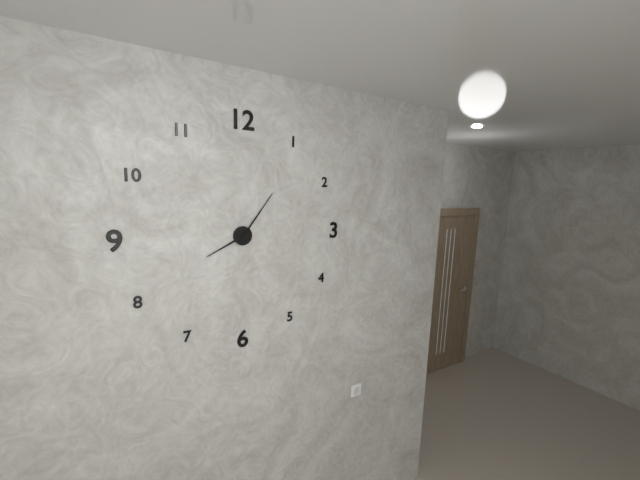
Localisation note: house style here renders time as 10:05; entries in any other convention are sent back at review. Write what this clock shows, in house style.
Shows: 8:06
